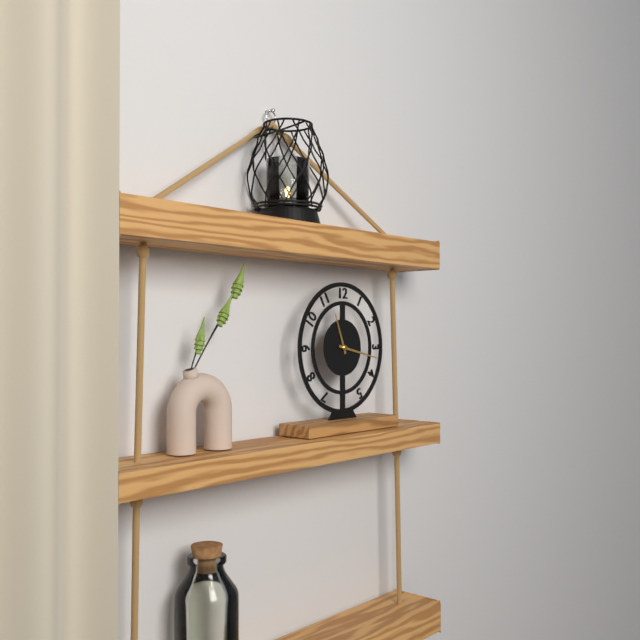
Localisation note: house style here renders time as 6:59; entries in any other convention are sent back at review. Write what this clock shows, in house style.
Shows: 11:17
